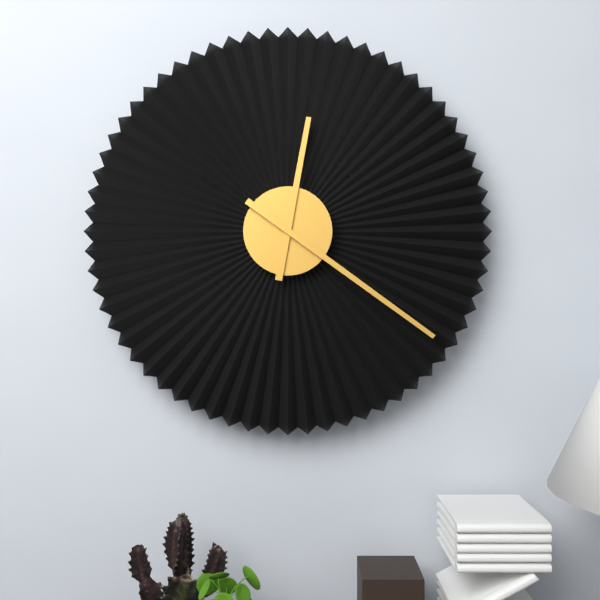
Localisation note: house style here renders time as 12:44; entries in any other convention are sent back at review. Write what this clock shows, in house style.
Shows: 12:21
